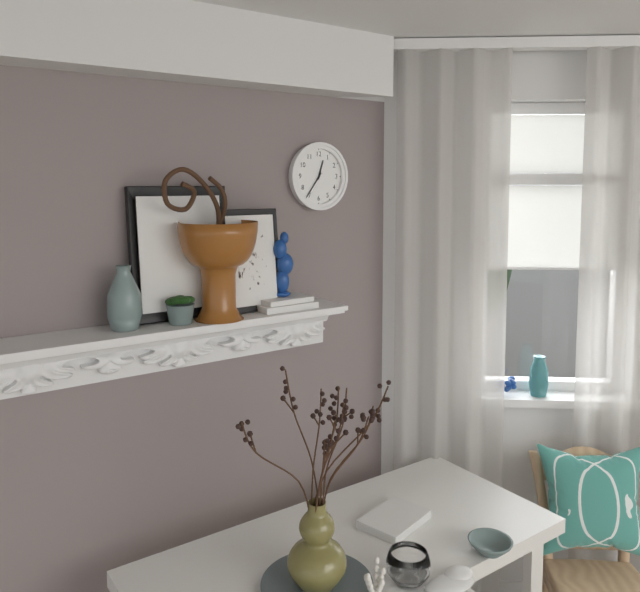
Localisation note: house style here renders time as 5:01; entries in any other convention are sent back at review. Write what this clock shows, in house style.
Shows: 12:36
